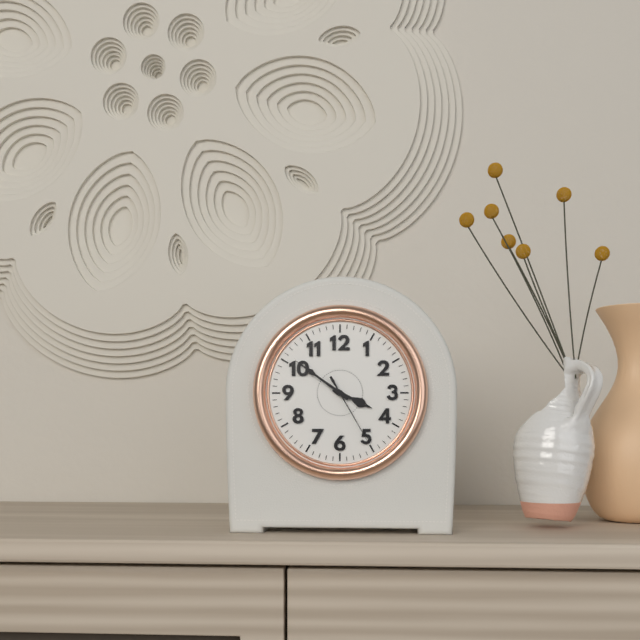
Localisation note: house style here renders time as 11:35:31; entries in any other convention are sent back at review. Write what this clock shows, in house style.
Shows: 3:51:25
